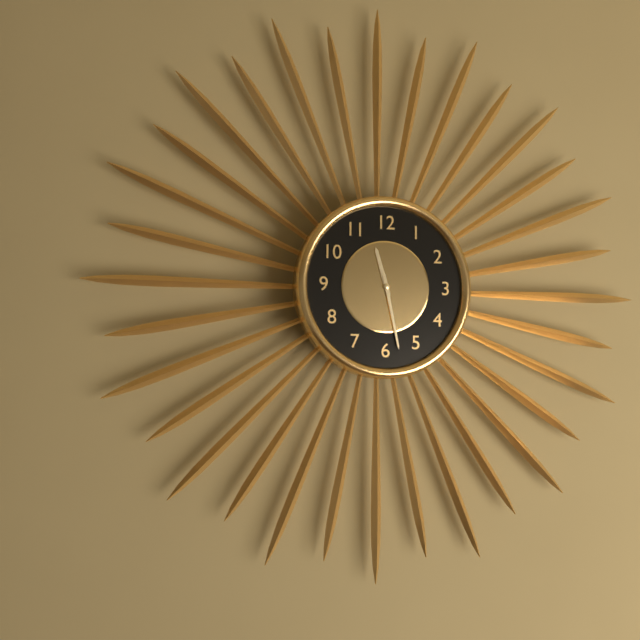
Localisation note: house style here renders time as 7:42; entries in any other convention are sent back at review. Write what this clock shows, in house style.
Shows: 11:28
